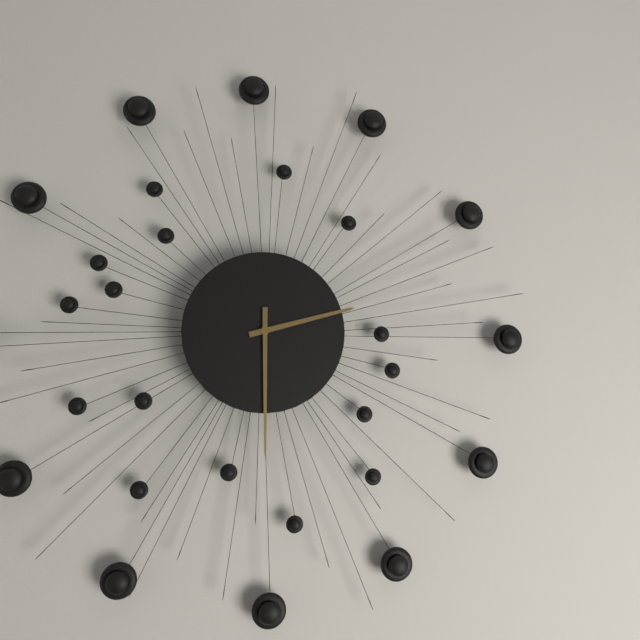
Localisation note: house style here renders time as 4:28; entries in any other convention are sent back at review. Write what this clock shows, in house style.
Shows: 2:30
